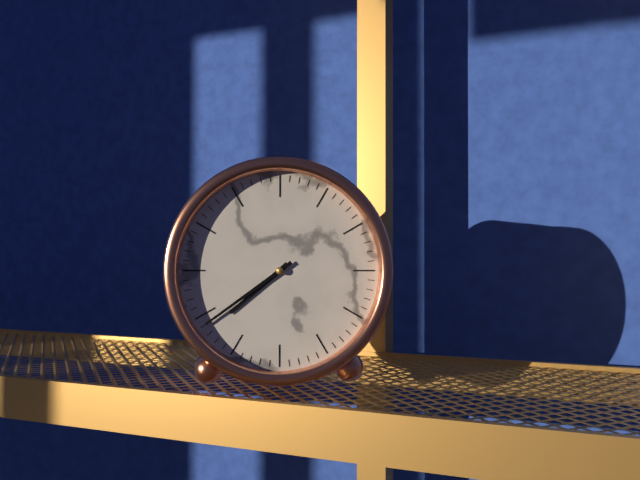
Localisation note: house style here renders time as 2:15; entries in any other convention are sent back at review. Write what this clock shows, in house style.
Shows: 7:39
